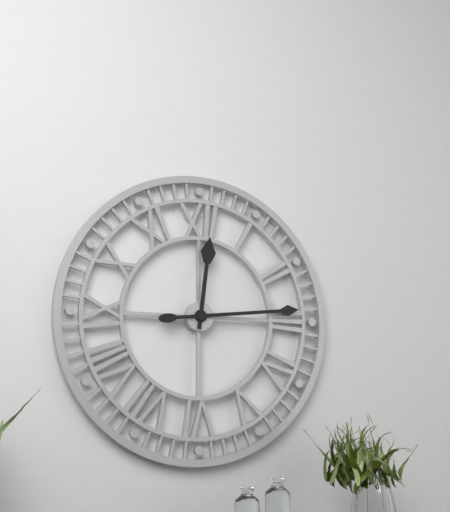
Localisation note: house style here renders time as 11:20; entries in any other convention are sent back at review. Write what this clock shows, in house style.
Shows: 12:14
